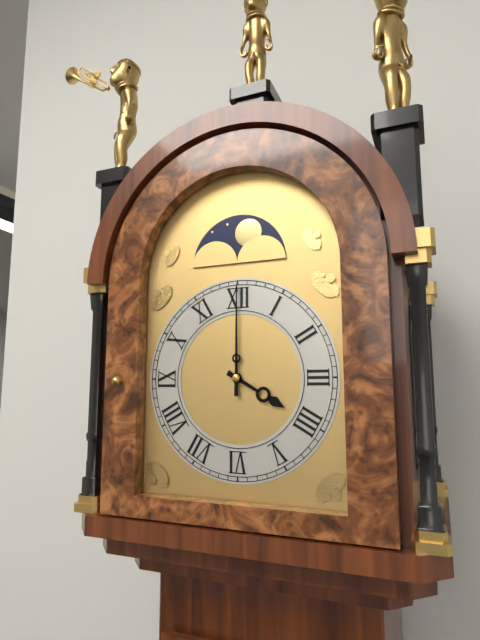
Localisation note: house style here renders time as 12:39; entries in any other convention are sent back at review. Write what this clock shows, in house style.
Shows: 4:00
